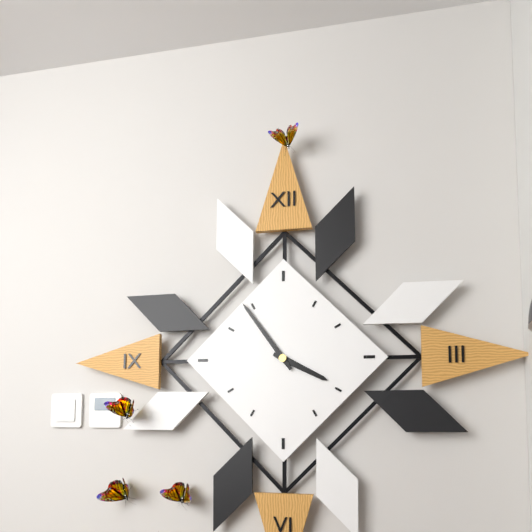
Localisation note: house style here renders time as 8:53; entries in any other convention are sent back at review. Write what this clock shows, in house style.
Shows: 3:54
